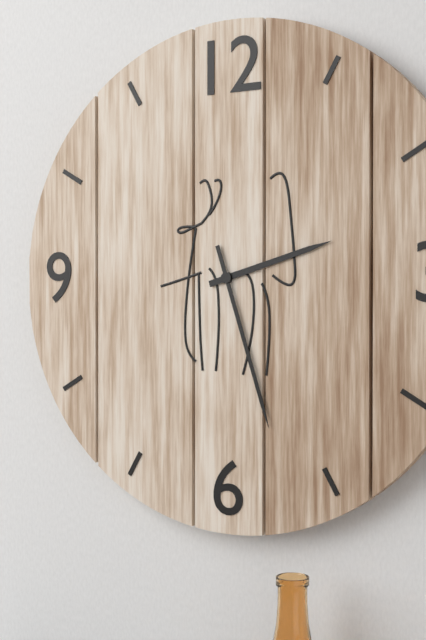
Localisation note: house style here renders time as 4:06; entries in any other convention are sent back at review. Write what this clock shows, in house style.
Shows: 2:27
